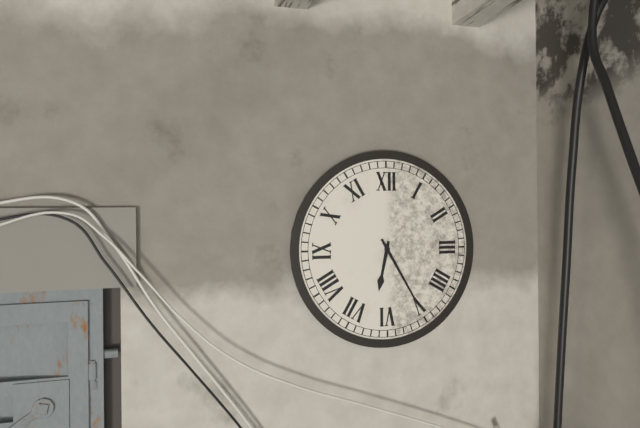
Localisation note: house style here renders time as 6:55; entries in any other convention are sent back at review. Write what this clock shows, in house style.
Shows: 6:25
